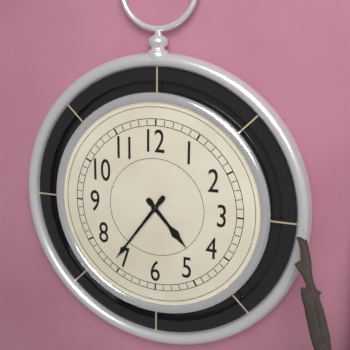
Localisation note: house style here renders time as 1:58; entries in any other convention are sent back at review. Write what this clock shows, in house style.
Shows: 4:36
